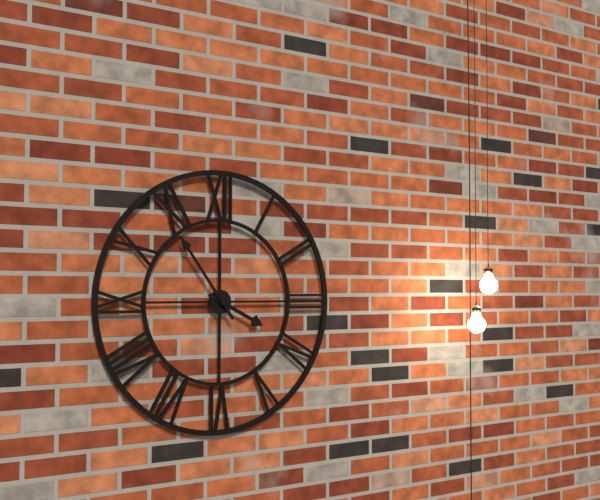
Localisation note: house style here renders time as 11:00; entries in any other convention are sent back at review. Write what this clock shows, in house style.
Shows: 3:54
